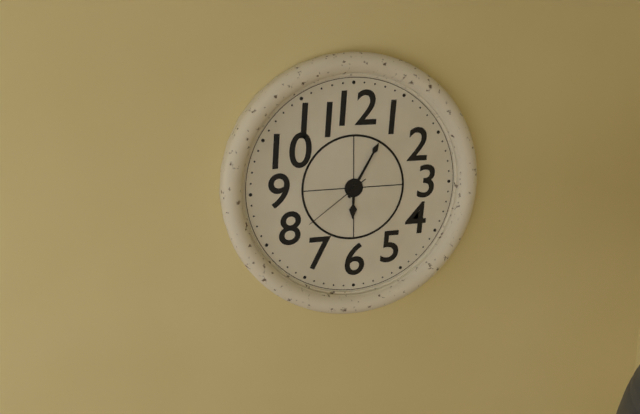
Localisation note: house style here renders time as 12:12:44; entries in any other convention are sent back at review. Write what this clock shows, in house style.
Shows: 6:05:39
